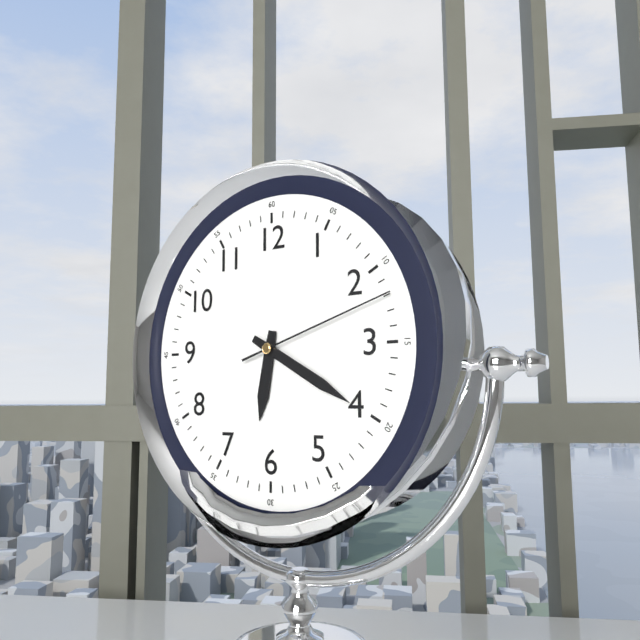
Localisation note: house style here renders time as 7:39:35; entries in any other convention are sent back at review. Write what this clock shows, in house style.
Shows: 6:20:12
